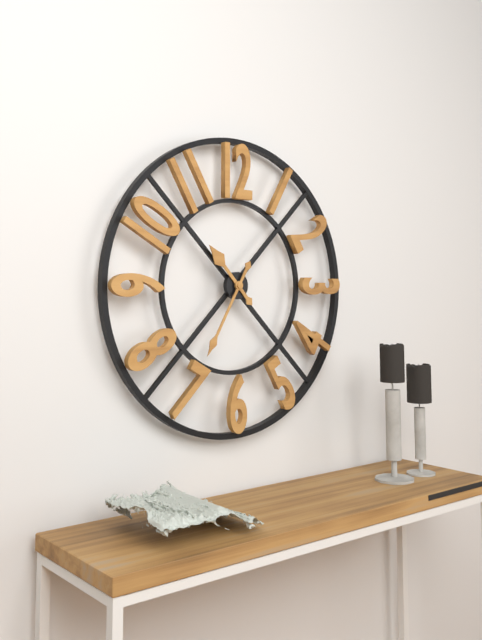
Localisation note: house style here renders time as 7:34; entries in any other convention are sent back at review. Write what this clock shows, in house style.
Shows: 10:35
